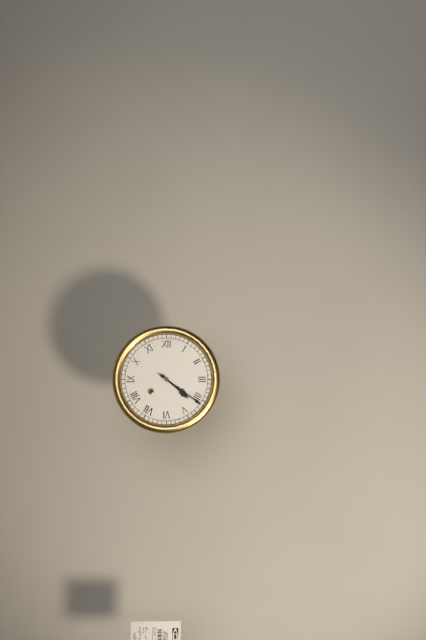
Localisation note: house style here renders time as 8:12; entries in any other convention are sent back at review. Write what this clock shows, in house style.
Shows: 4:21
